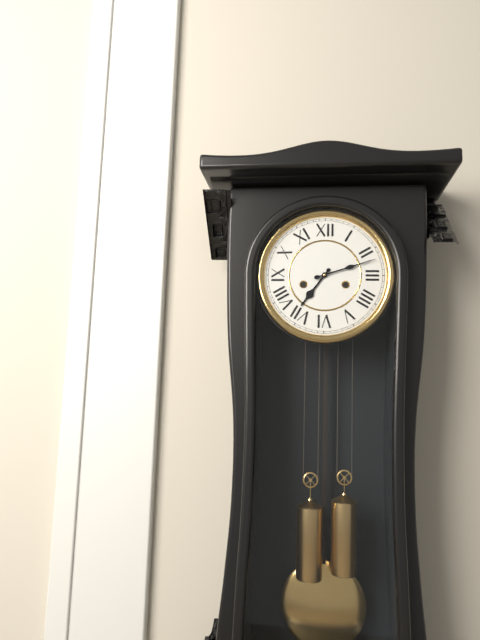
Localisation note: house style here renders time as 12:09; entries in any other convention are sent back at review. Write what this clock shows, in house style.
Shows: 7:12
